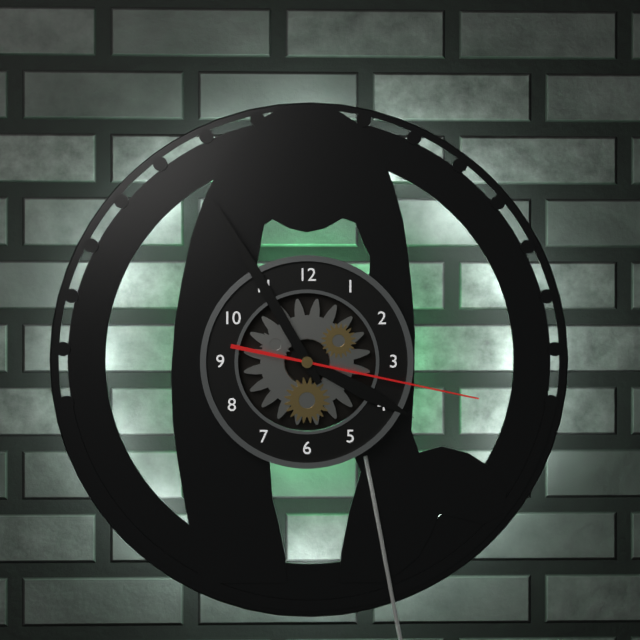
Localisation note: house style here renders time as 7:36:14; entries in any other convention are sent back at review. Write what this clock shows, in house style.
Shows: 3:55:17
